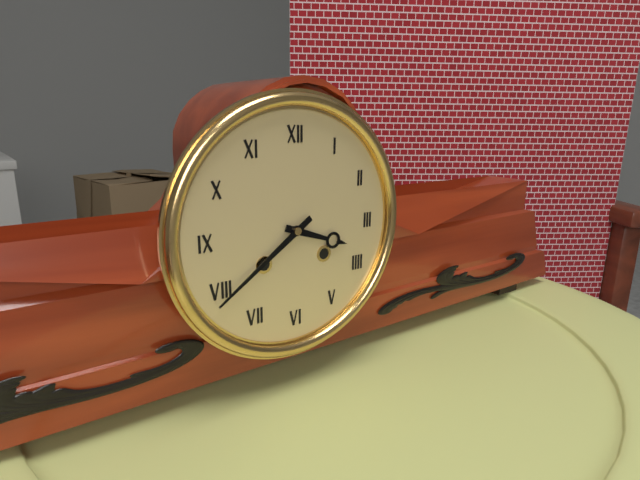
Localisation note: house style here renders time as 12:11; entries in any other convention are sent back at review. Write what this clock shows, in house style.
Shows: 3:39
